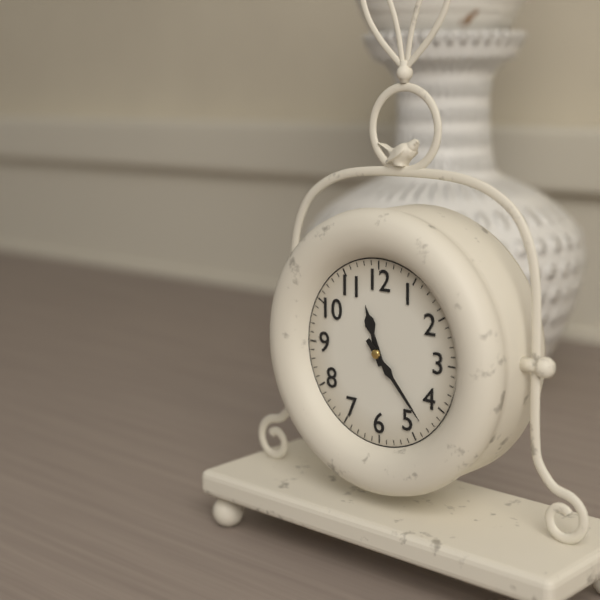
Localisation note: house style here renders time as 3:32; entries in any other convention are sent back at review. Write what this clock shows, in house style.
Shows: 11:23
